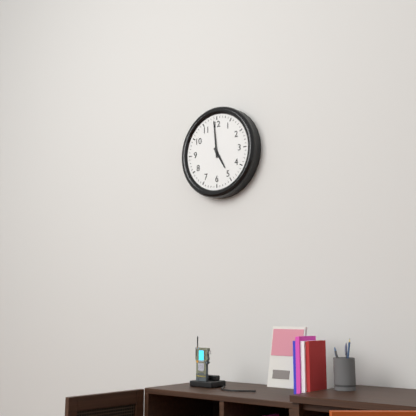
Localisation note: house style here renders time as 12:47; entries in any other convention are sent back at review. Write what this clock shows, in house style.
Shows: 4:59
